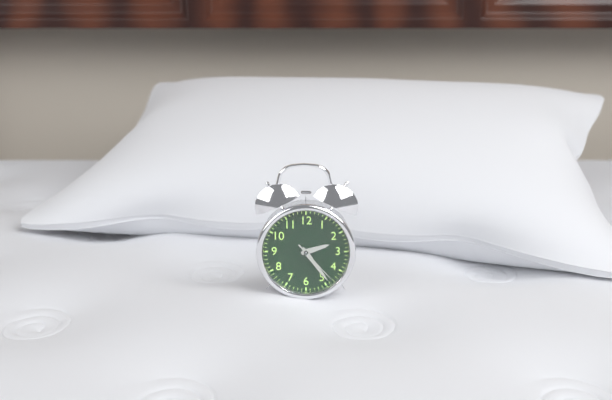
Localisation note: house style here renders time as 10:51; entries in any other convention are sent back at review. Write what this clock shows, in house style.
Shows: 2:24
